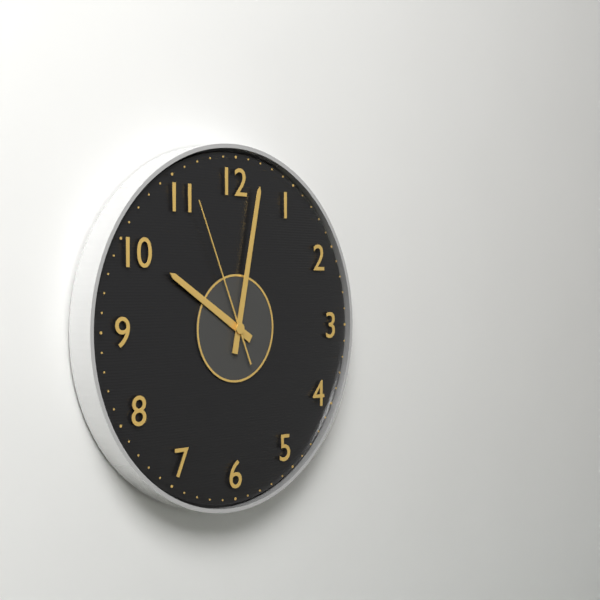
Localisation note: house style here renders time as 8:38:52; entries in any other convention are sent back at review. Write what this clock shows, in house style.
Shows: 10:02:56
